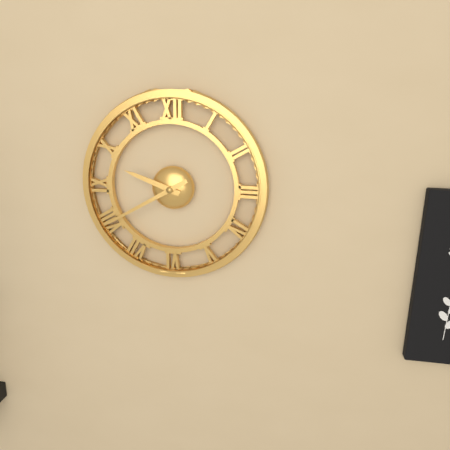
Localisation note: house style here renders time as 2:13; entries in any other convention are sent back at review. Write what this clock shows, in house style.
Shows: 9:40
